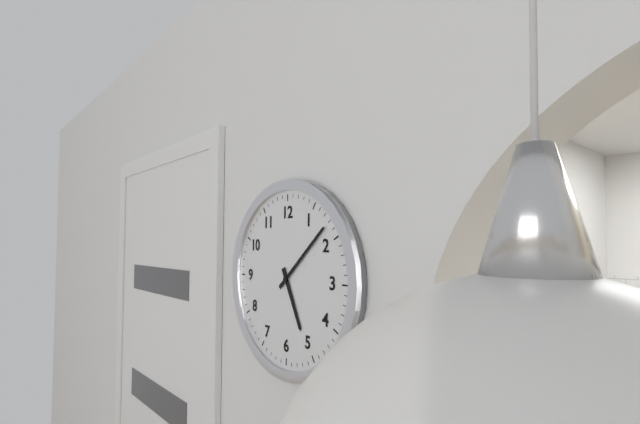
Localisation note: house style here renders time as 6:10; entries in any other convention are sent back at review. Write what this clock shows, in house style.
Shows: 5:08
